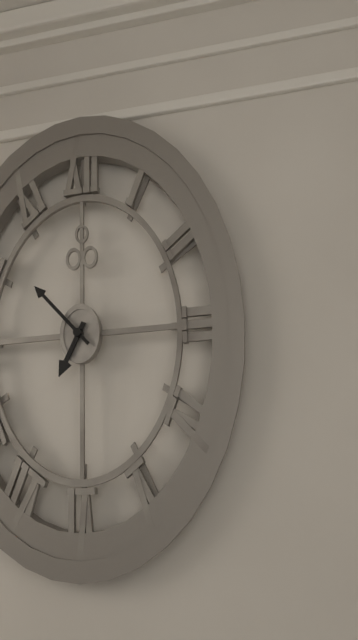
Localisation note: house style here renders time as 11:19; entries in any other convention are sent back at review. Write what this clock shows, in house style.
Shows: 6:53
